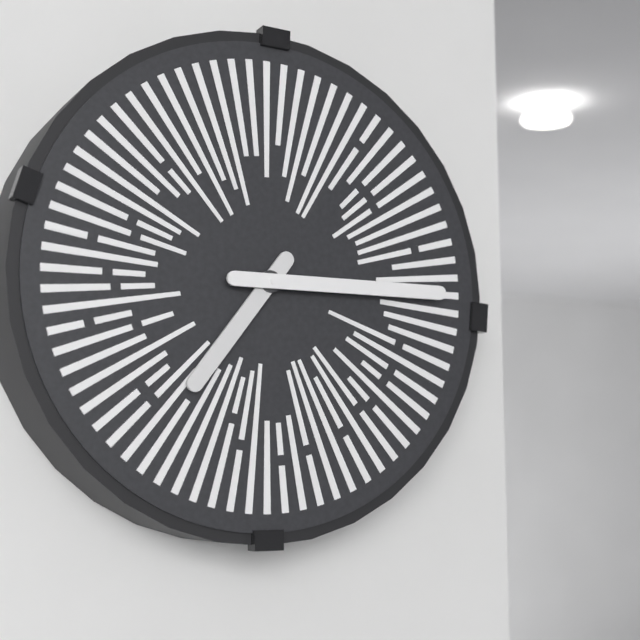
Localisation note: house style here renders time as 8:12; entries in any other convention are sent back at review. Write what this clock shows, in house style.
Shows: 7:15
